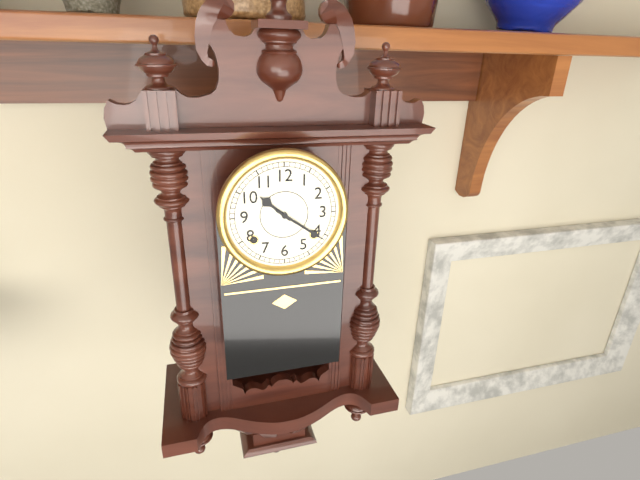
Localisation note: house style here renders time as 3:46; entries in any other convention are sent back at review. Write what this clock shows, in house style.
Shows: 10:21
